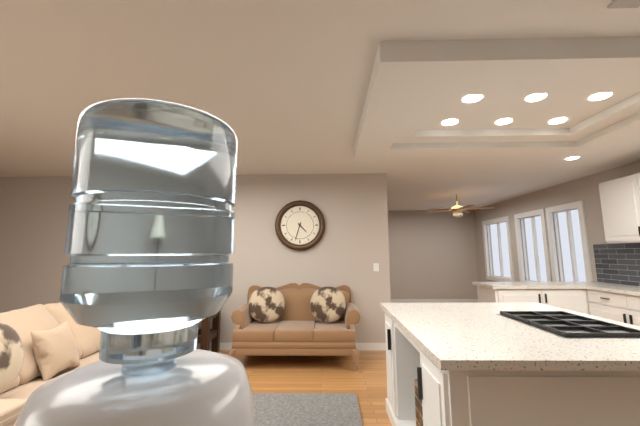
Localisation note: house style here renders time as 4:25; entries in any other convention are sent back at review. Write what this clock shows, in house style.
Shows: 4:33
